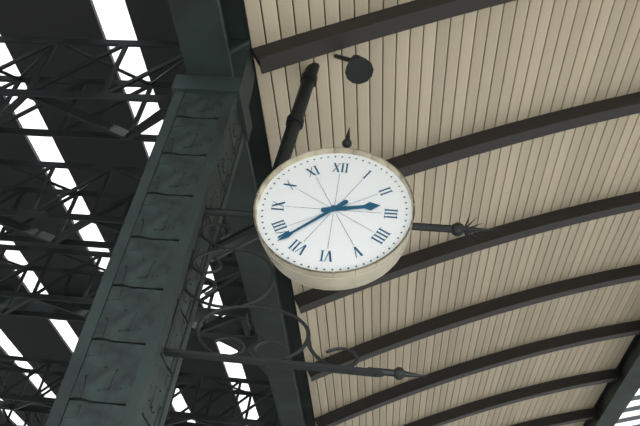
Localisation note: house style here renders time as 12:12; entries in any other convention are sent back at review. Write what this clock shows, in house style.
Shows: 2:38
